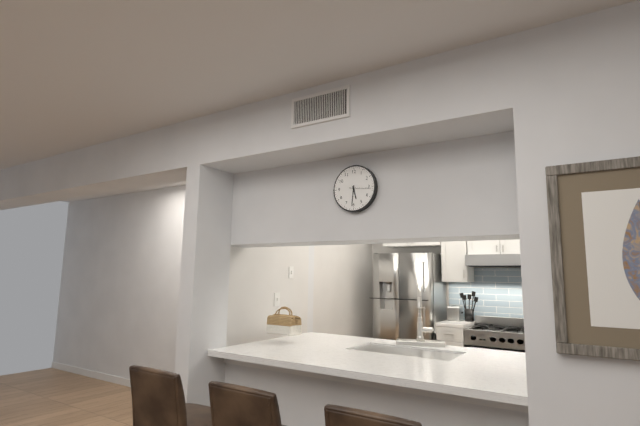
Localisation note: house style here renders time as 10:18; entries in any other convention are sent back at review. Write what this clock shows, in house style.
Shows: 5:31
